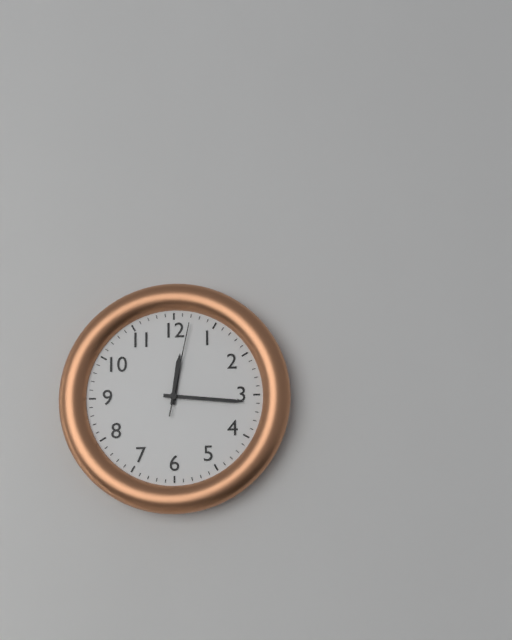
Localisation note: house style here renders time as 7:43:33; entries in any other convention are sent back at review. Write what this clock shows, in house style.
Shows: 12:16:02
